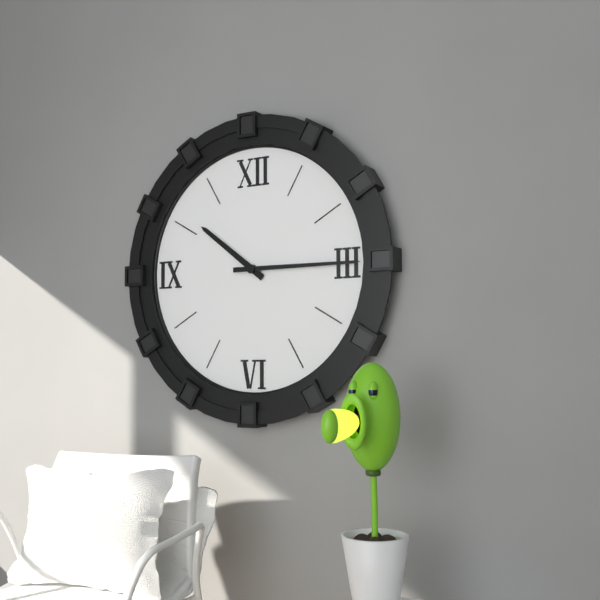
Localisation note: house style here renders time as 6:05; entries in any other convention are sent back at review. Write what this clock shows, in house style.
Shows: 10:15
